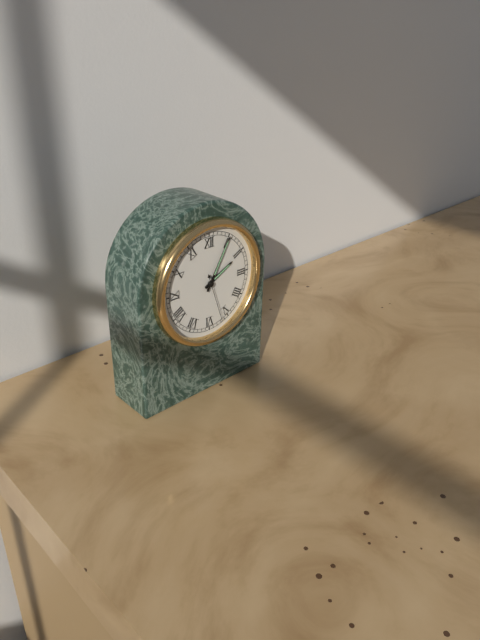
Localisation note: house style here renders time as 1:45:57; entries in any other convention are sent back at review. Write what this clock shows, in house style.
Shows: 2:05:27
